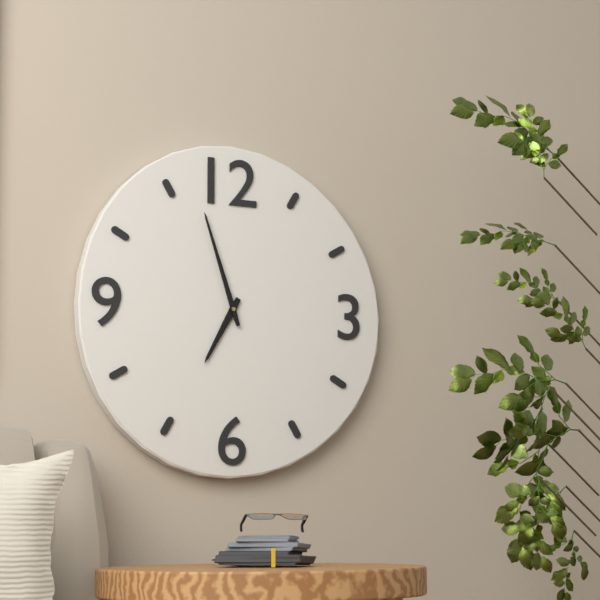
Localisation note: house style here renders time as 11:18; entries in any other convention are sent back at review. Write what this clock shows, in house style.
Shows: 6:57
